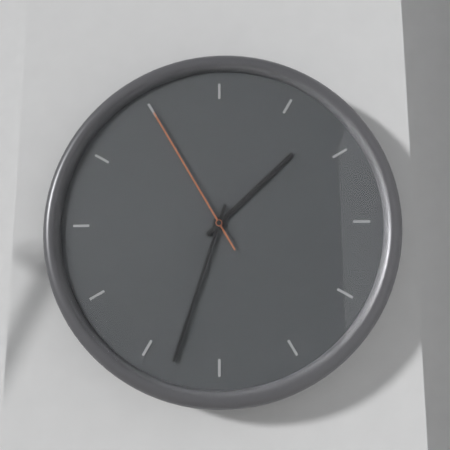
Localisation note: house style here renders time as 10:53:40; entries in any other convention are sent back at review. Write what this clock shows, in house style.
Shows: 1:33:55
